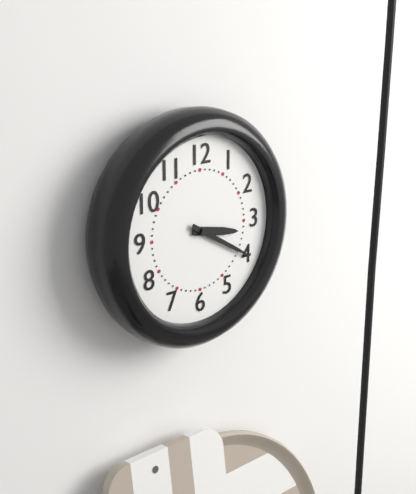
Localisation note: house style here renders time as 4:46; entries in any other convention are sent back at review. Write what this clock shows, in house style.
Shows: 3:20
